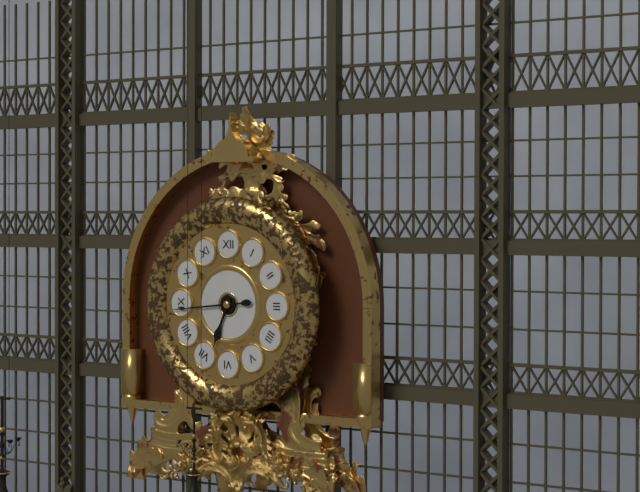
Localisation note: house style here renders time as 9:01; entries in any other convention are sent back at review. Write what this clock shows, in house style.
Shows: 6:44
